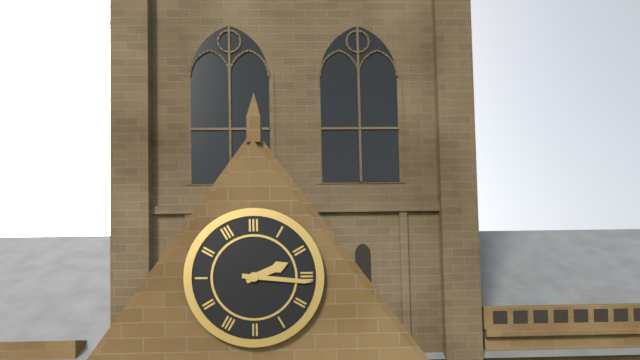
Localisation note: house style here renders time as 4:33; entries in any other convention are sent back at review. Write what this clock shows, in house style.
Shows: 2:16
